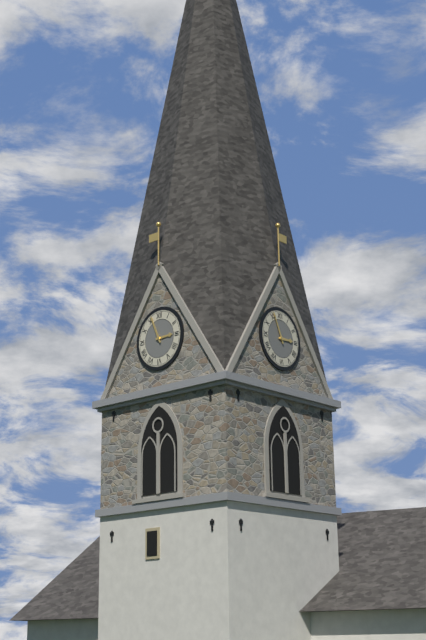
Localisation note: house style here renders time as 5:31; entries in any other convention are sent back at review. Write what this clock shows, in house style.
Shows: 2:56
